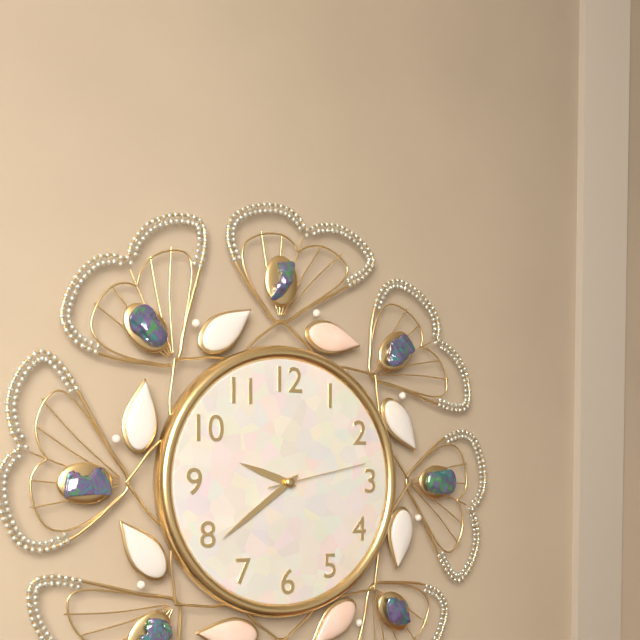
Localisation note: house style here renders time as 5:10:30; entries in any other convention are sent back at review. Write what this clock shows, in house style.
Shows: 9:39:13
